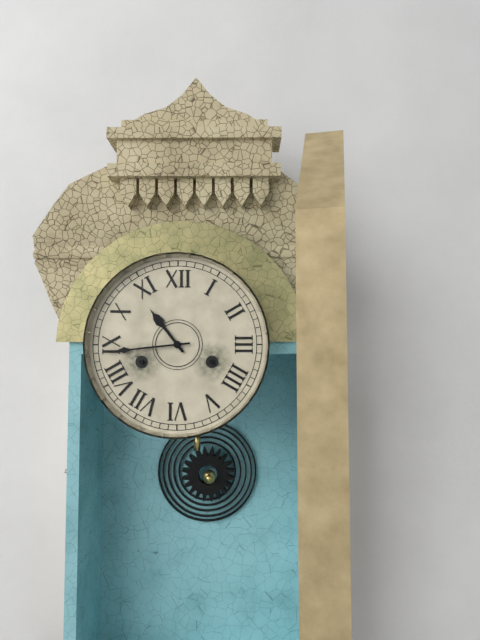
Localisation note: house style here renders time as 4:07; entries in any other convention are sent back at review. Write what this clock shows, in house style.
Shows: 10:44
